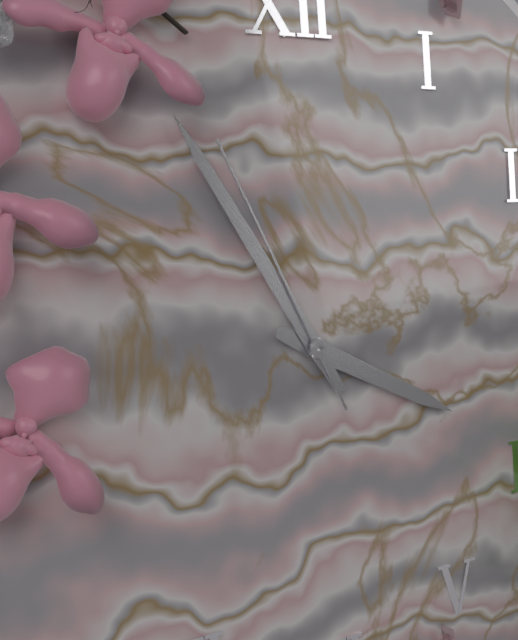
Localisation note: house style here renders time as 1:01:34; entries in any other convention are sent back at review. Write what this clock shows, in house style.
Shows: 3:55:56
